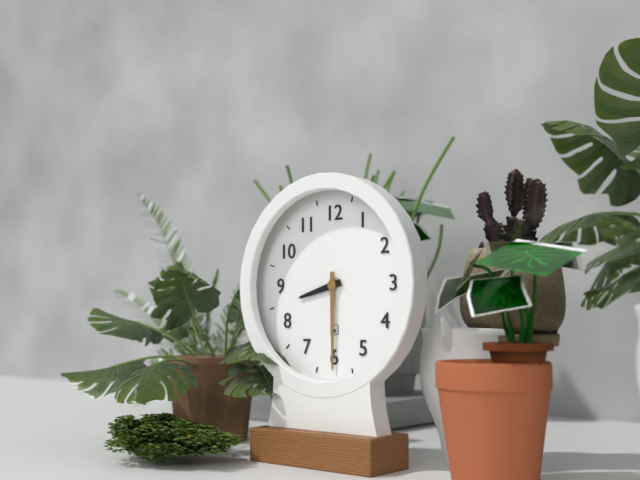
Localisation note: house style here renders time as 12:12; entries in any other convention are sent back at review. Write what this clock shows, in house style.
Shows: 8:30
